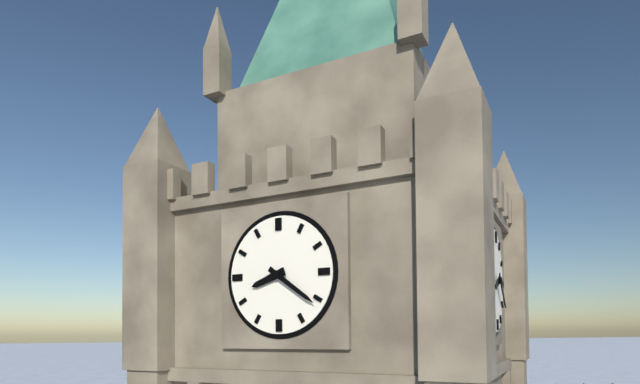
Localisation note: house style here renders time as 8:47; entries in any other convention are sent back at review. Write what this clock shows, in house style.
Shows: 8:21
